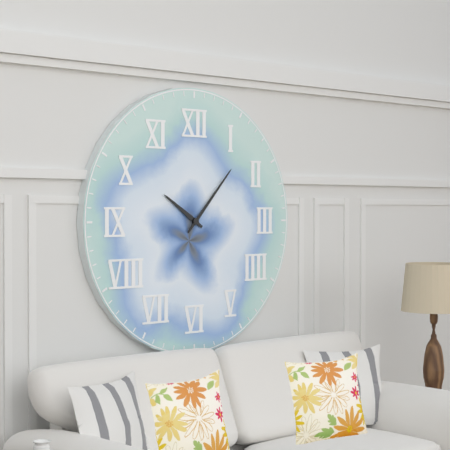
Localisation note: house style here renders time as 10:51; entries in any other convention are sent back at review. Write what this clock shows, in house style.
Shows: 10:07
